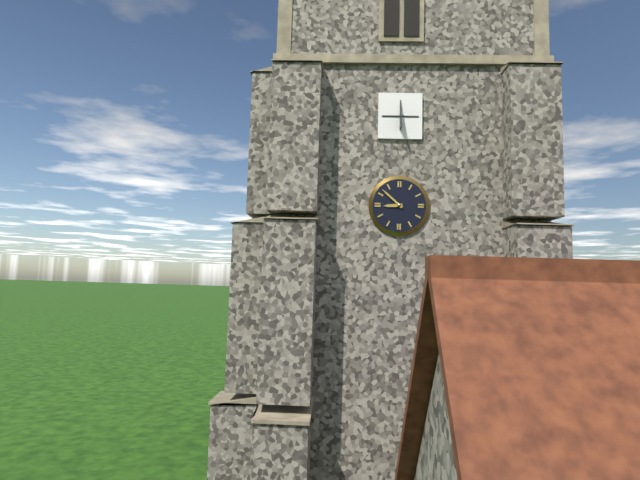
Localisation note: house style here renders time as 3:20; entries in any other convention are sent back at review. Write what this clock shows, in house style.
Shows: 8:52
